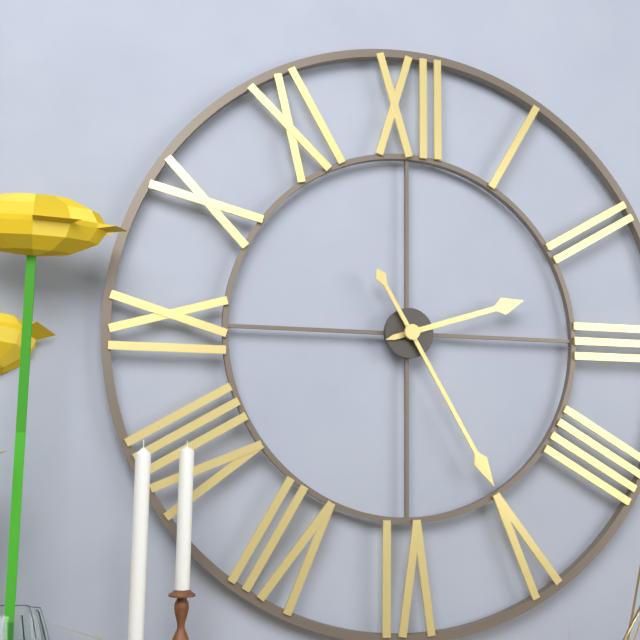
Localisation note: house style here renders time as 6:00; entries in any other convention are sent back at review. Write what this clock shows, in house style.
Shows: 2:25
